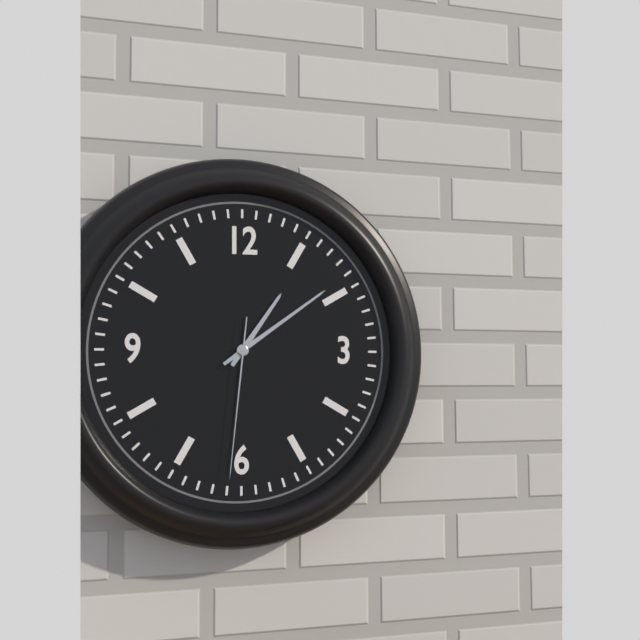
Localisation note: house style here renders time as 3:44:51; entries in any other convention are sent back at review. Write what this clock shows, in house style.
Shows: 1:09:31
